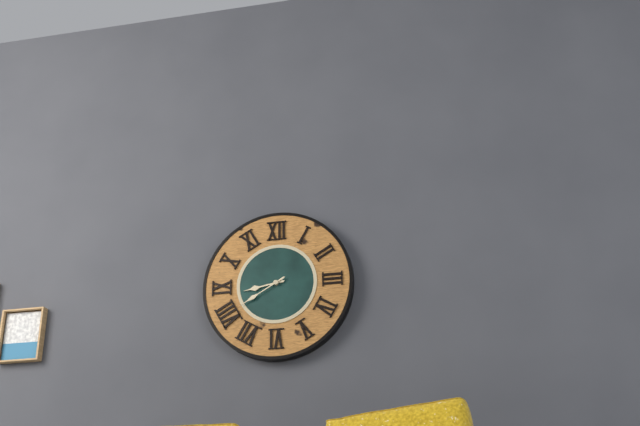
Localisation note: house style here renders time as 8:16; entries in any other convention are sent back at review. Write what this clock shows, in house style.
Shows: 8:40
